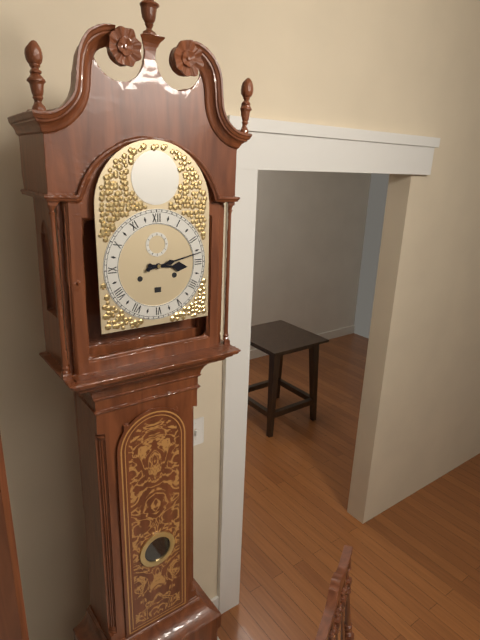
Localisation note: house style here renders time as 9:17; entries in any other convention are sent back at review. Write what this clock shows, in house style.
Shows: 3:13
